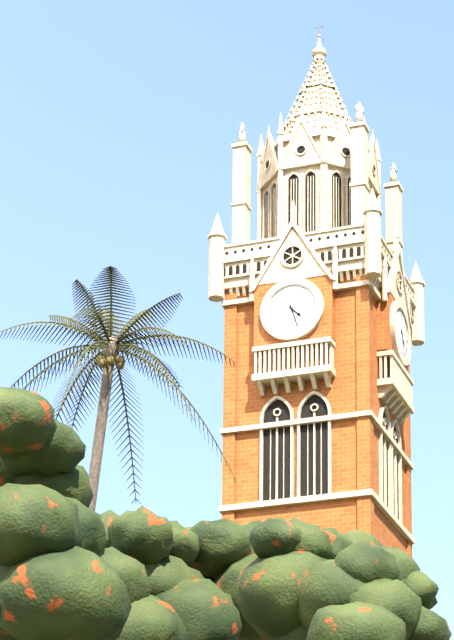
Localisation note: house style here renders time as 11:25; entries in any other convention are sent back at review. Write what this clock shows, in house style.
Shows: 4:27
